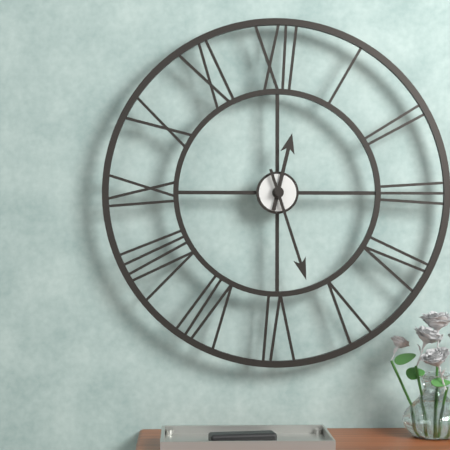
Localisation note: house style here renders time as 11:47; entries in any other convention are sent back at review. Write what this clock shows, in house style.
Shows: 12:27
